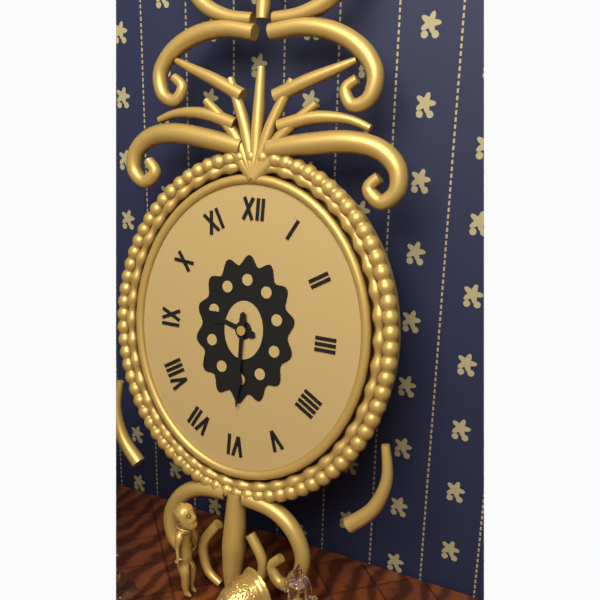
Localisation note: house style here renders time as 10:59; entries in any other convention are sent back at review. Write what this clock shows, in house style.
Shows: 9:30
